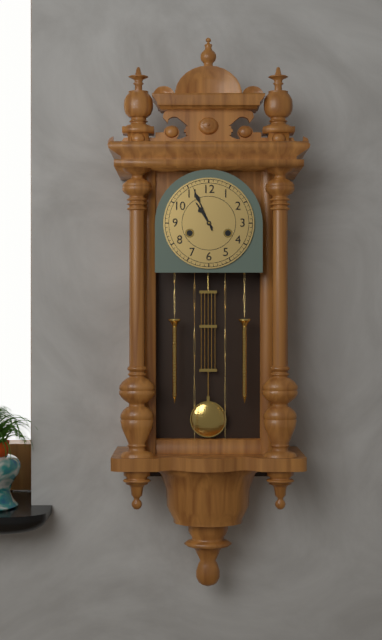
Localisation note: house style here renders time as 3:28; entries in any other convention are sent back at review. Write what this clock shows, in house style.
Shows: 10:56
